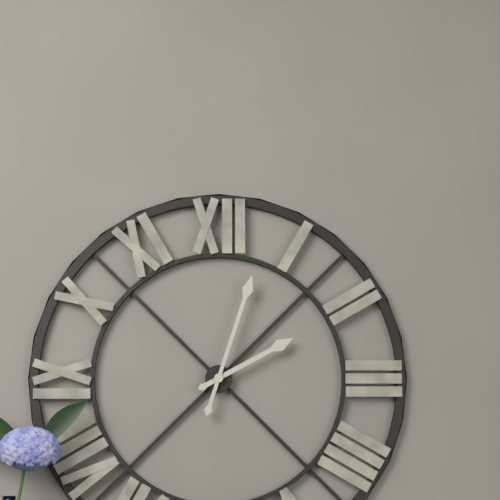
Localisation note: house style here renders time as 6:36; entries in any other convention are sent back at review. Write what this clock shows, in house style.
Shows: 2:03
